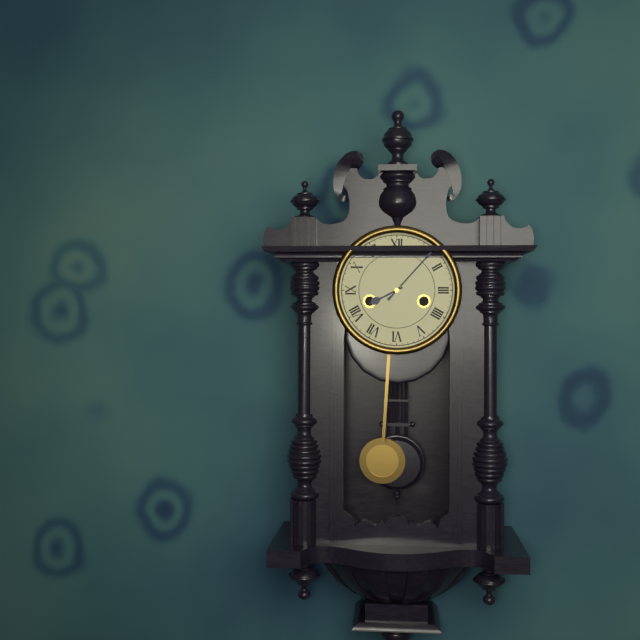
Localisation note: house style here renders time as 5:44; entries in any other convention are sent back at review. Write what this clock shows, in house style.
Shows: 8:07
